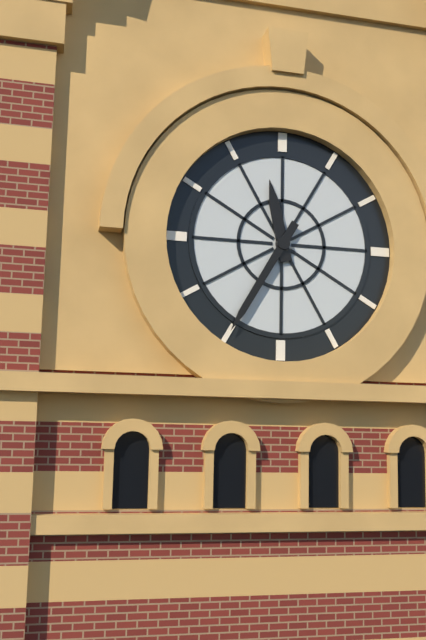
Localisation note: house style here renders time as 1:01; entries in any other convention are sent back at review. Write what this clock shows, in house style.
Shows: 11:35
